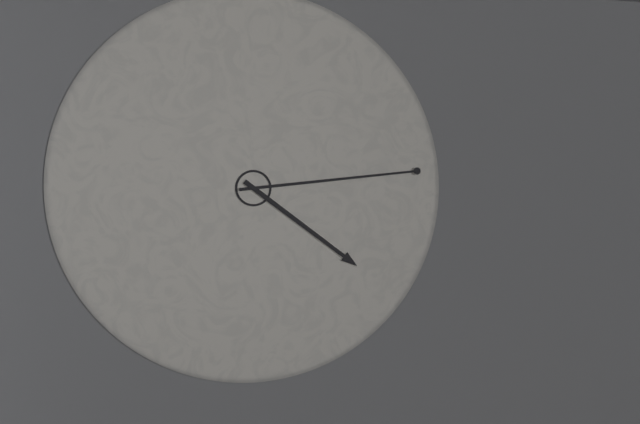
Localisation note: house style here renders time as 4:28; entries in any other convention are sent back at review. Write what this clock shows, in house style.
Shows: 4:14
